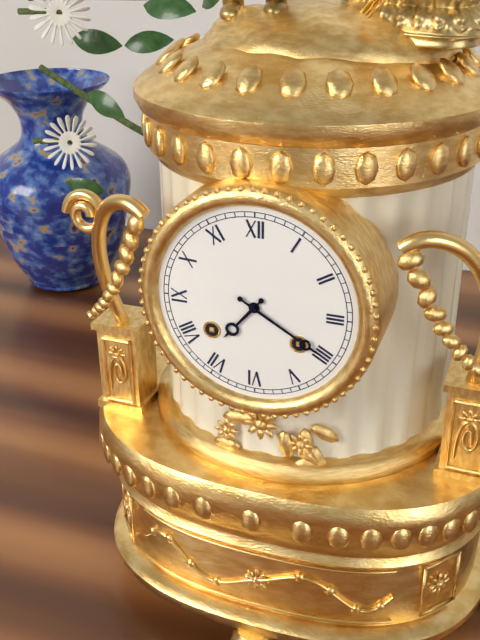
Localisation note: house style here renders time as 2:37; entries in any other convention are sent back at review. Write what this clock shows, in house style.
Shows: 7:20
